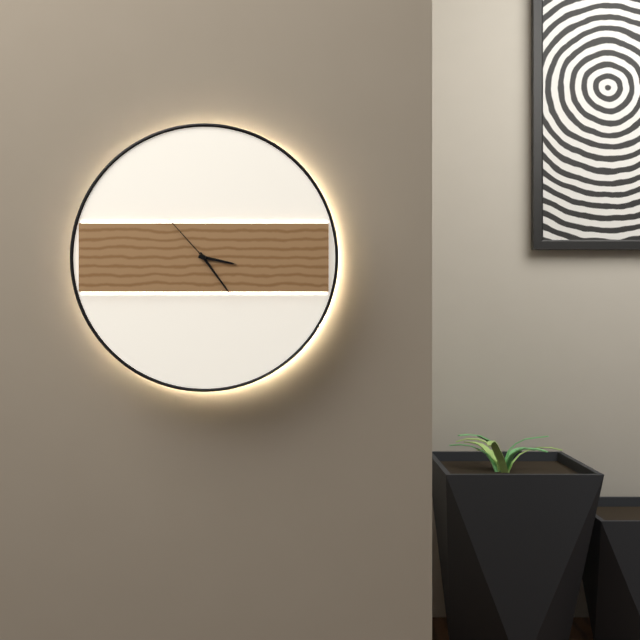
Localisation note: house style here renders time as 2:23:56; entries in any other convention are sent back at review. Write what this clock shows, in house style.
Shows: 3:24:53
